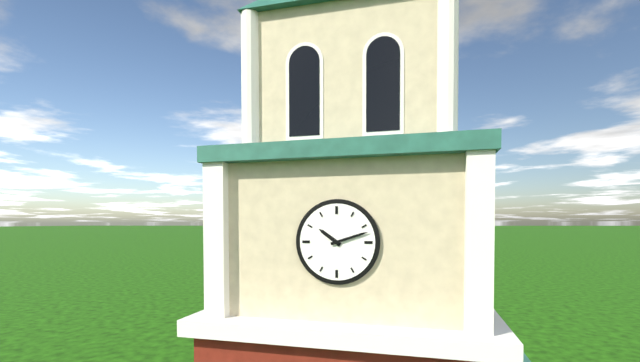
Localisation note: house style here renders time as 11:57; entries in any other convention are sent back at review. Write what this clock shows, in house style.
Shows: 10:12
